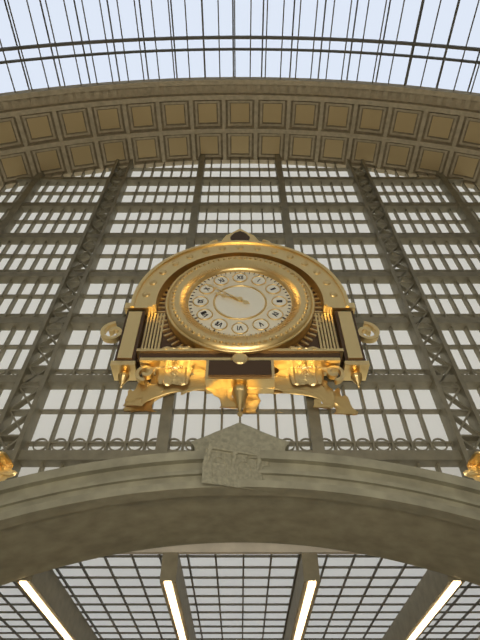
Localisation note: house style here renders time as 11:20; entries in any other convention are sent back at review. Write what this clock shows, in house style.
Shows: 9:51
